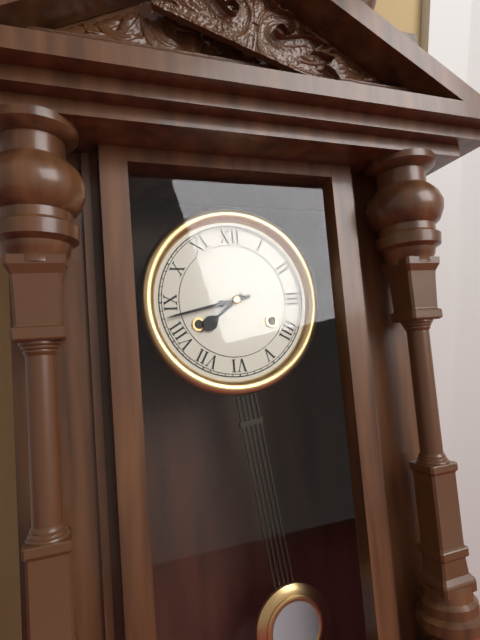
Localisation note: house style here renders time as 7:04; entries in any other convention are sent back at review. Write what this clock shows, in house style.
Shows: 7:43
